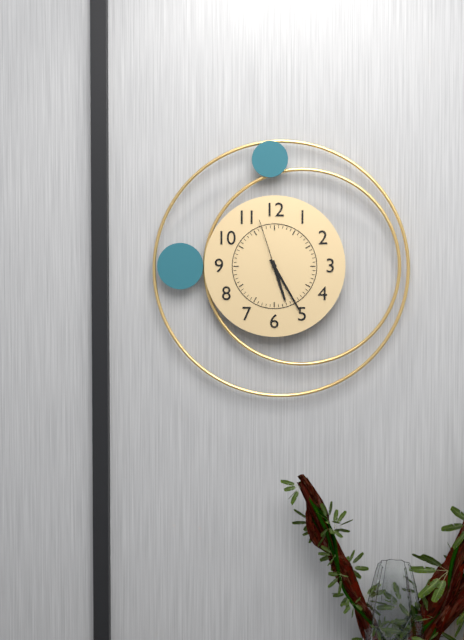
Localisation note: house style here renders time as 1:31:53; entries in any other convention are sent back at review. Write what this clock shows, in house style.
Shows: 5:25:57
